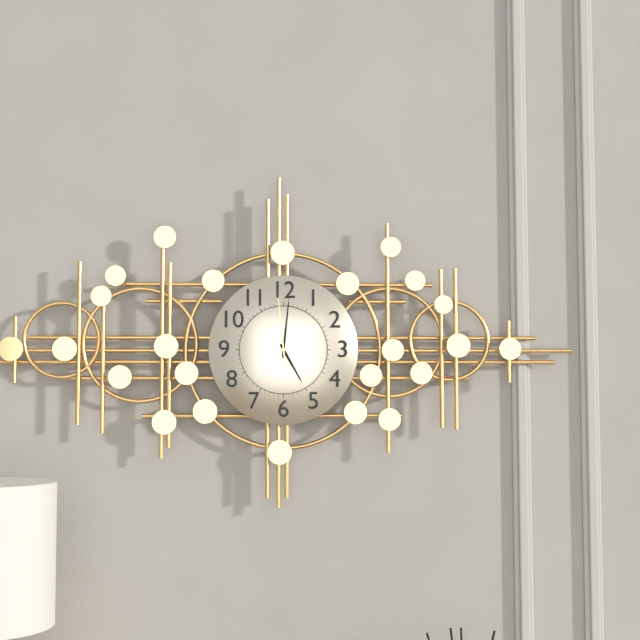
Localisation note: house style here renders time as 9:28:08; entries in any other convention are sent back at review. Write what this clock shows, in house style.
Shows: 5:01:59
